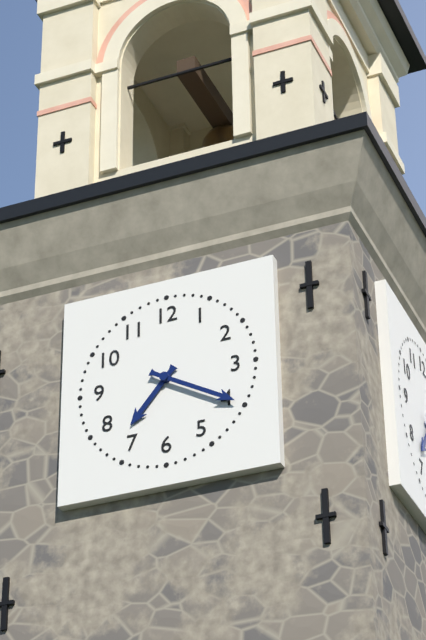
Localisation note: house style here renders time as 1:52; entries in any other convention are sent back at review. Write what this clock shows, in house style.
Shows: 7:20
